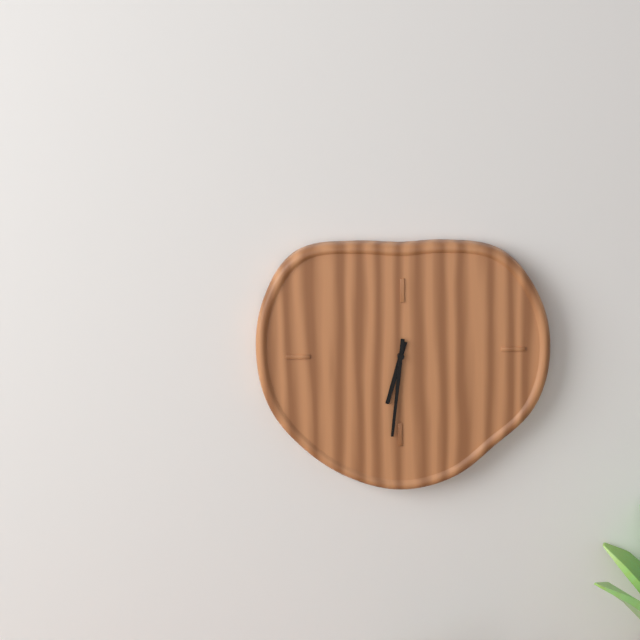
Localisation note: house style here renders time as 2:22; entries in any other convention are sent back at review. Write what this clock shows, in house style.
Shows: 6:31
